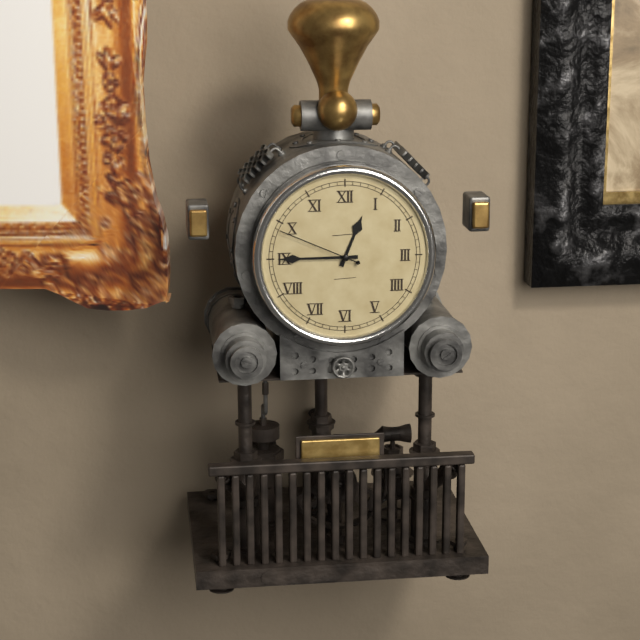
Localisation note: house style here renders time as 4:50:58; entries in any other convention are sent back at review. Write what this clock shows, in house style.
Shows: 12:45:49
